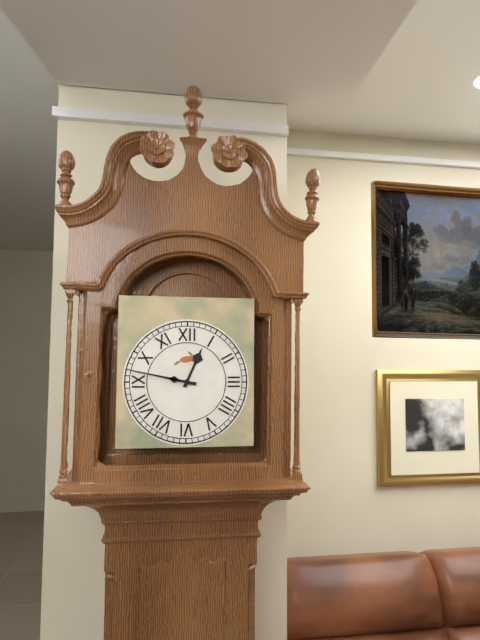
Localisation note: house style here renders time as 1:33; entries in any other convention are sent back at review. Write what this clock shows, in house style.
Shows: 12:47
